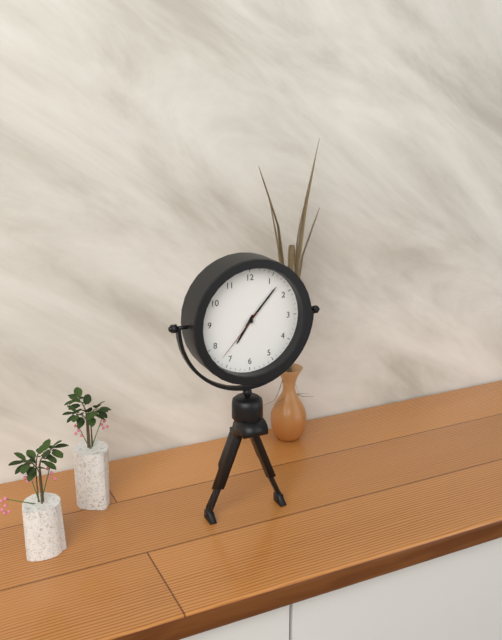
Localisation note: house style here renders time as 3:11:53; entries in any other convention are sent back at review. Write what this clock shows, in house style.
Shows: 7:07:37
